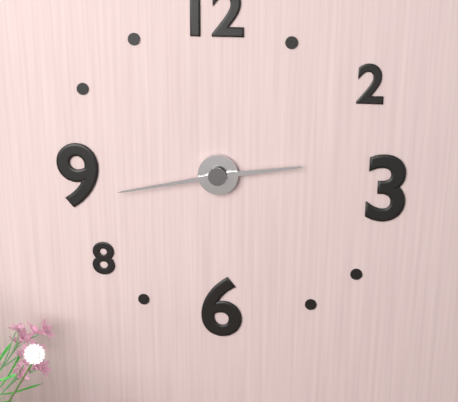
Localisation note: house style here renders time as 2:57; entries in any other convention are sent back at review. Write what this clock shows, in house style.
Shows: 2:43
